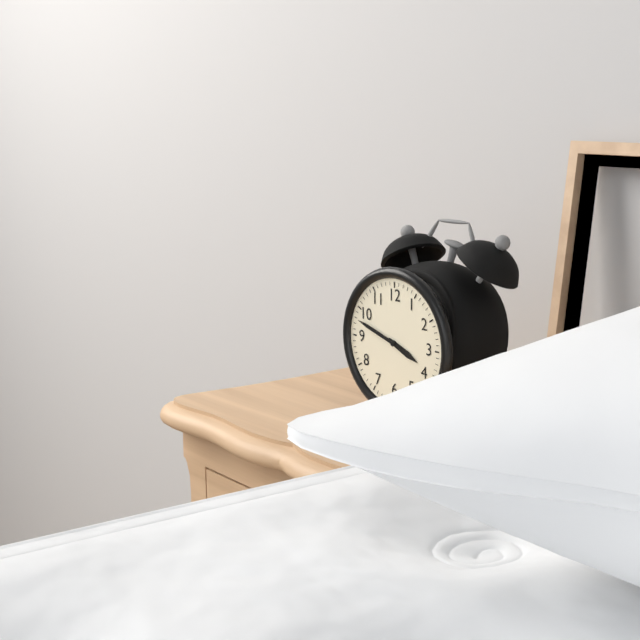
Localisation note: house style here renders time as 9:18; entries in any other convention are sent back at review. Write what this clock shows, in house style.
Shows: 3:48
